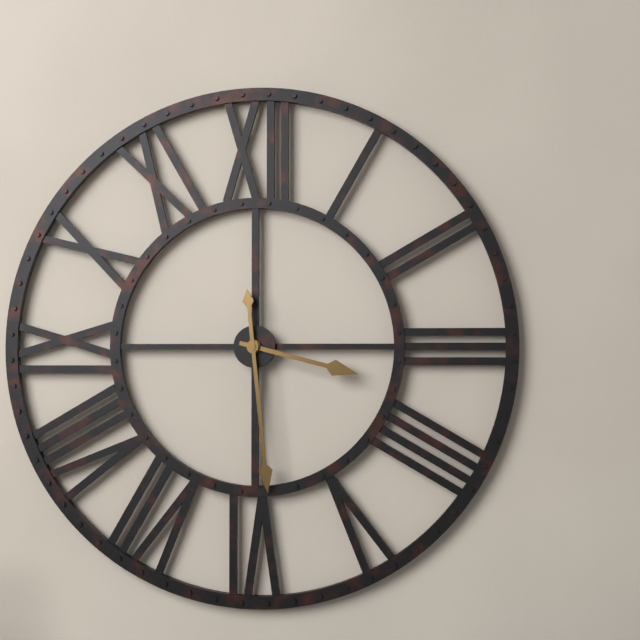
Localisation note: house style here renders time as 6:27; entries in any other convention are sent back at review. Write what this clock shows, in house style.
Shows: 3:29
